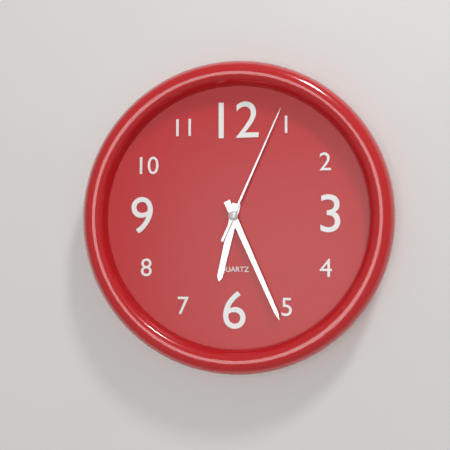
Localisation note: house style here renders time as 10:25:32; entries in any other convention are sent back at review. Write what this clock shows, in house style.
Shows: 6:26:04
